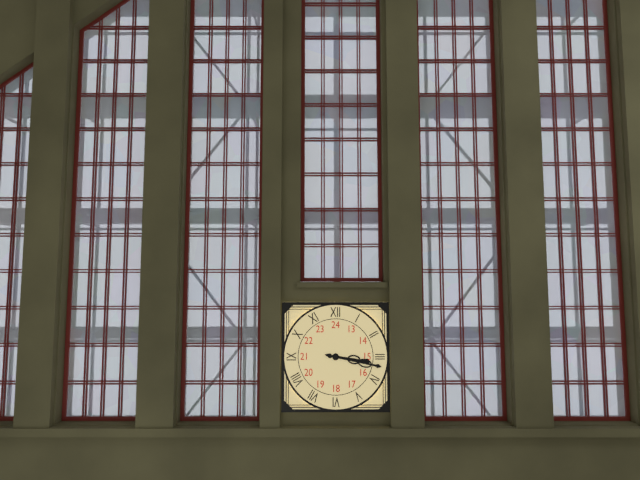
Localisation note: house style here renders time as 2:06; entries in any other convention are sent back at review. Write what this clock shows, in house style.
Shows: 3:17
